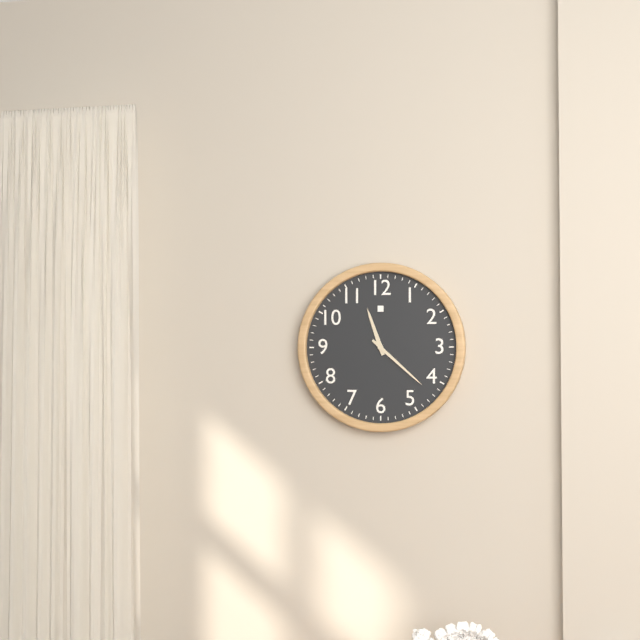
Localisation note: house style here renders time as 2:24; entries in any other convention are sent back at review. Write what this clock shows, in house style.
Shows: 11:22
